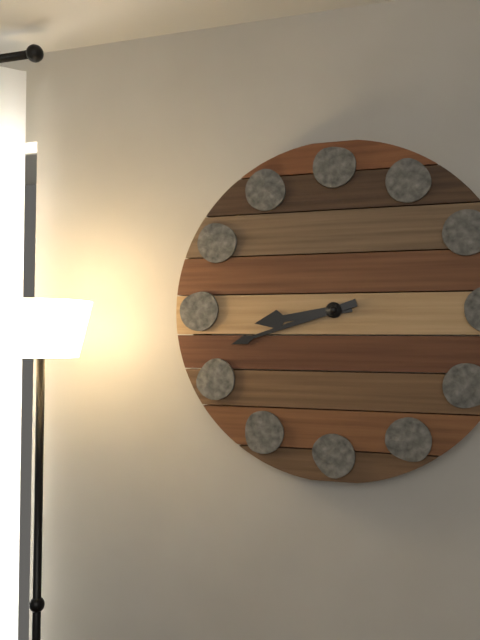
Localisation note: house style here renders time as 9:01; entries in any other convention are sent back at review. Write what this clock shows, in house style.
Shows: 8:42
